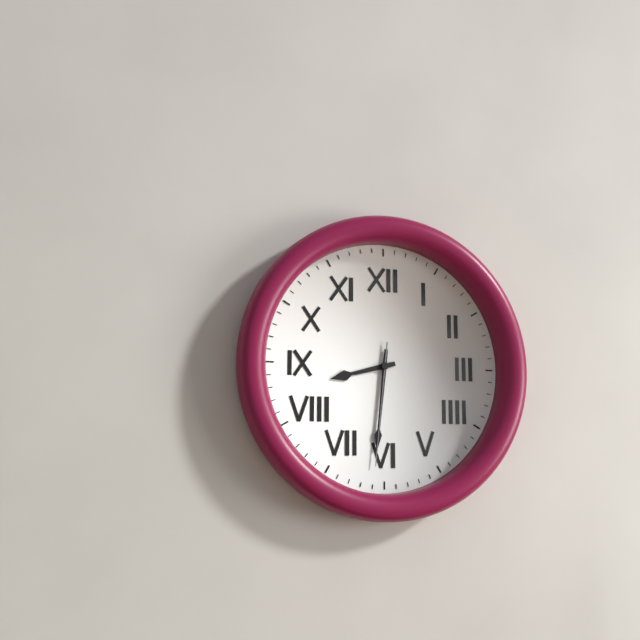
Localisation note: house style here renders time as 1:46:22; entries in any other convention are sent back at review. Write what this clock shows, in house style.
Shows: 8:31:31
